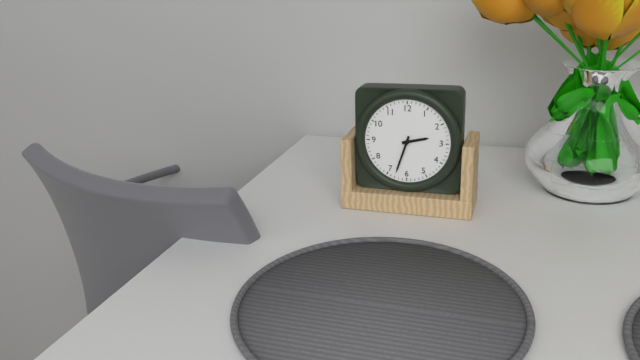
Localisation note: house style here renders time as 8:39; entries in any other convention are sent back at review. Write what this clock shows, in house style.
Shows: 2:33
